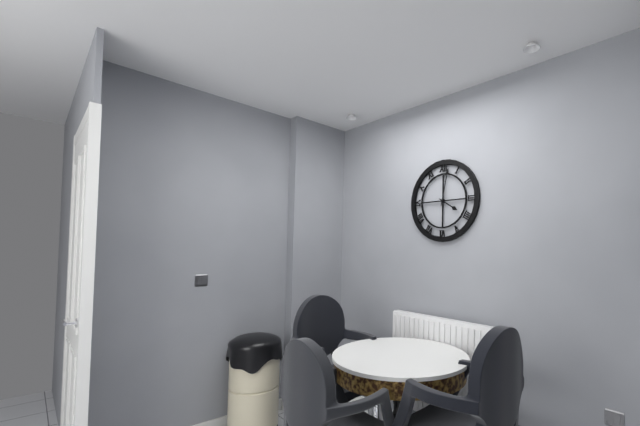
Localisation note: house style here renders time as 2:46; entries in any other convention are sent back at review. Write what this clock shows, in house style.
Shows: 4:02
